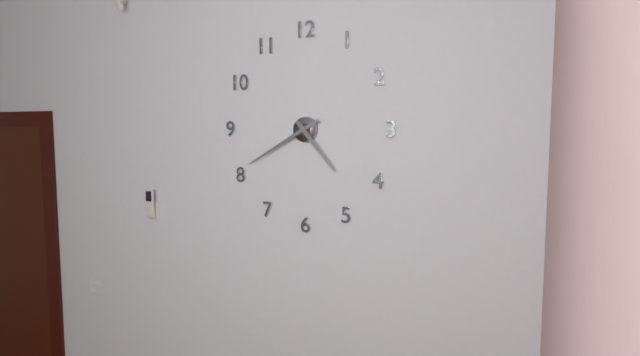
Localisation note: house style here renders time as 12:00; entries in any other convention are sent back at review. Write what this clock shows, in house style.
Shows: 4:40
